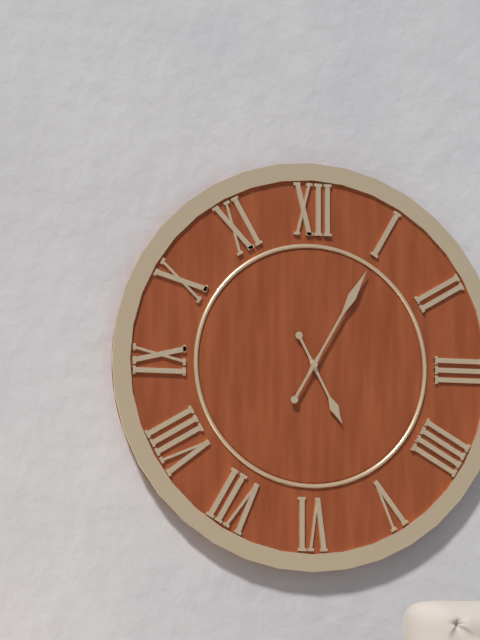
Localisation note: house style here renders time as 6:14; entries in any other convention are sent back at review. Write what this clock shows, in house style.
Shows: 5:05
